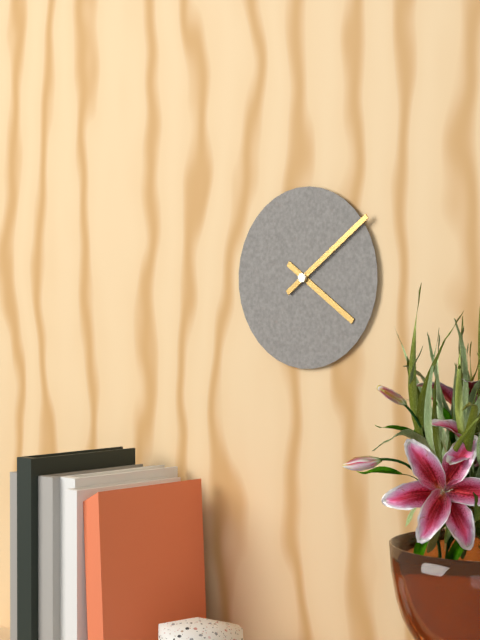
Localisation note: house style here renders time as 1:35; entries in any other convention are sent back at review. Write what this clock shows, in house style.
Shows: 4:09
